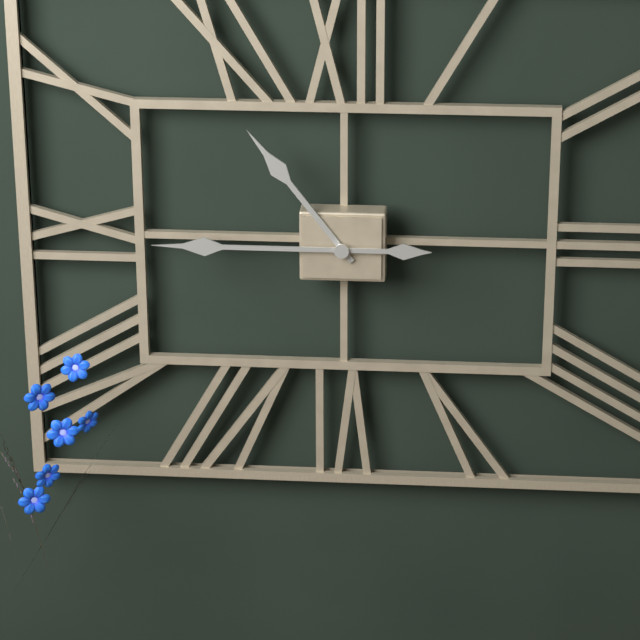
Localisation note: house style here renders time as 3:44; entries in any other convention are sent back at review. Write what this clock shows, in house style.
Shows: 10:45
